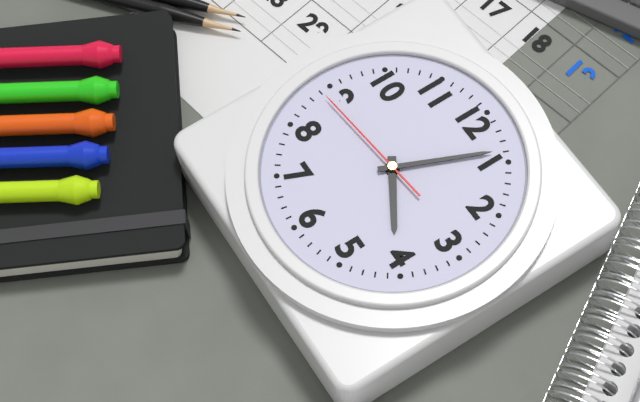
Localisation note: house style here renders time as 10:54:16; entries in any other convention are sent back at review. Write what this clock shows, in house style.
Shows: 4:04:44
